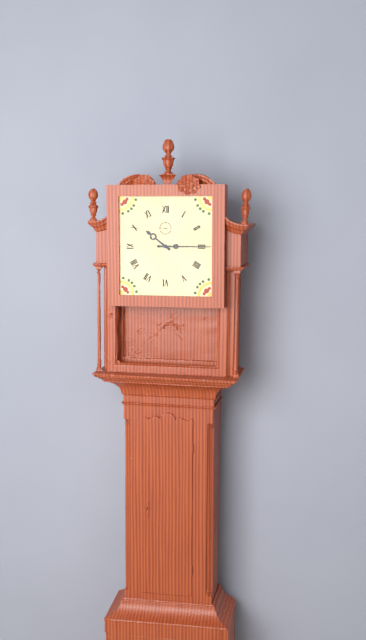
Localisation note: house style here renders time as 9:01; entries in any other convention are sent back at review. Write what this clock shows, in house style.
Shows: 10:15
